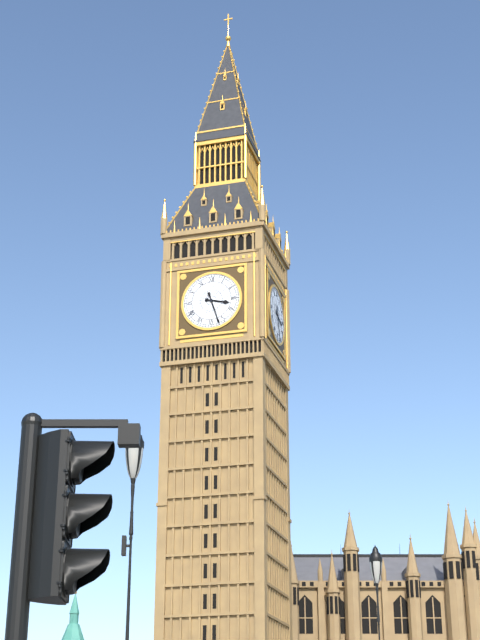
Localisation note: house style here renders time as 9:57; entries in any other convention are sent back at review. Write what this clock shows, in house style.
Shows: 3:27
